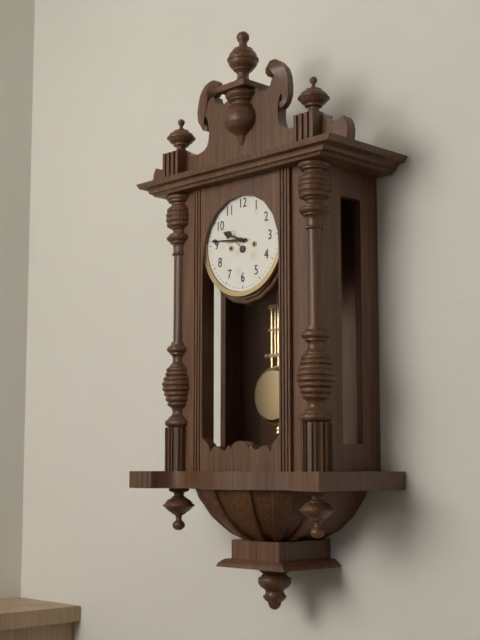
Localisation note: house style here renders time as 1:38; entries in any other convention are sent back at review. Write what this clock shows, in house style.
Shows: 9:46
